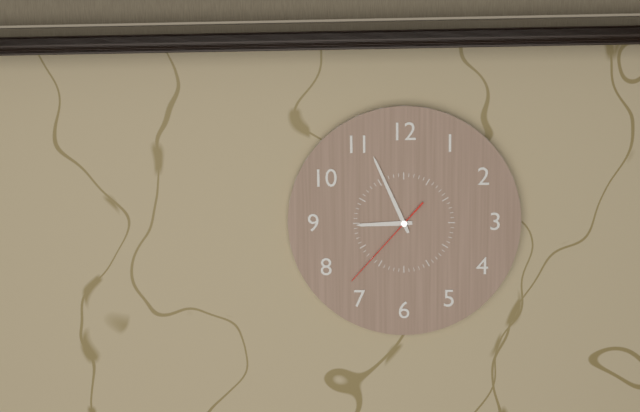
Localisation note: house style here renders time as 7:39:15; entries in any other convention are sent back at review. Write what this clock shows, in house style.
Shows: 8:56:37
